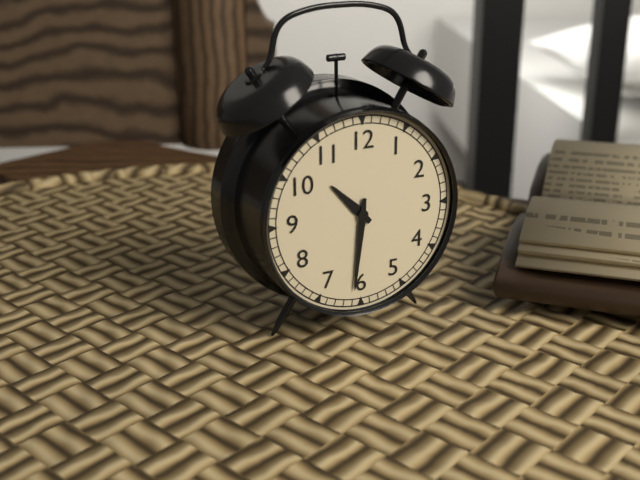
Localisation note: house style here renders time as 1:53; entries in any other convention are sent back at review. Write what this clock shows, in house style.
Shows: 10:31
